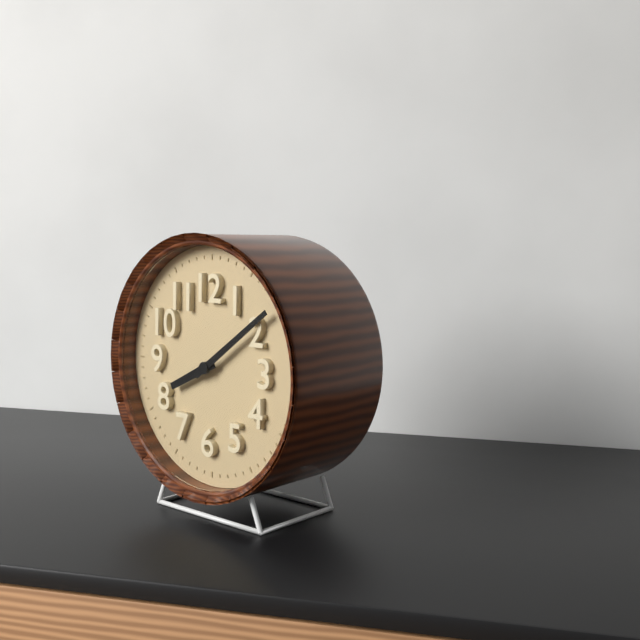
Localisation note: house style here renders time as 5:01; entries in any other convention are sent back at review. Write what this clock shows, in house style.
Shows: 8:09
